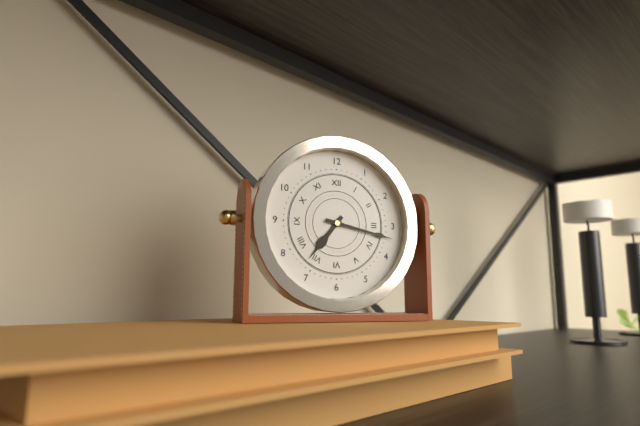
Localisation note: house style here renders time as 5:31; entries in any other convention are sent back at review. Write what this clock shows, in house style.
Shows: 7:17
